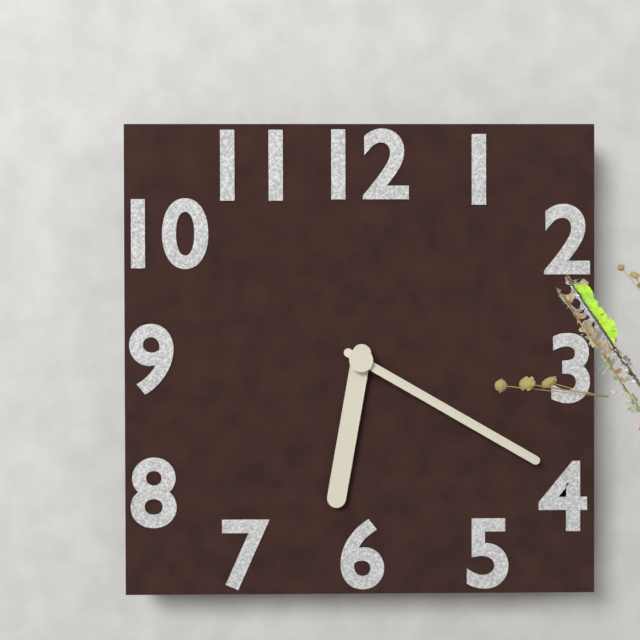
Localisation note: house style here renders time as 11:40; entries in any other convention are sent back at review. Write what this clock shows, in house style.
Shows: 6:20
